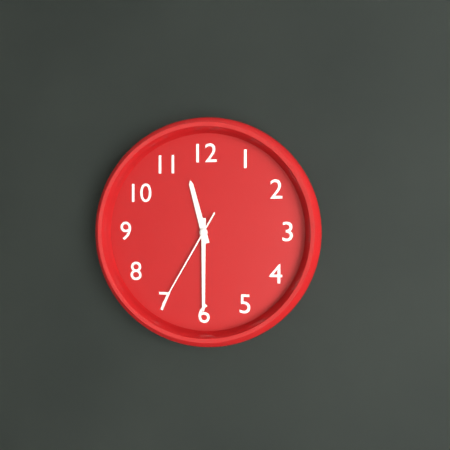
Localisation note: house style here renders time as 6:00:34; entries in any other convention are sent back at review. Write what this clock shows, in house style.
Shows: 11:30:35
